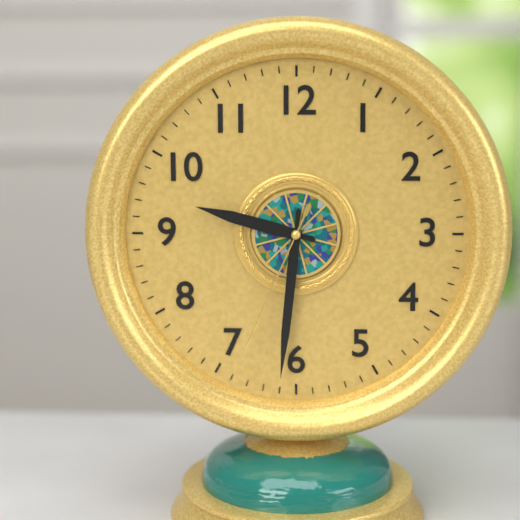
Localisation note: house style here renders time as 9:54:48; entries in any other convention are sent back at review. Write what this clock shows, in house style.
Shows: 9:31:34
